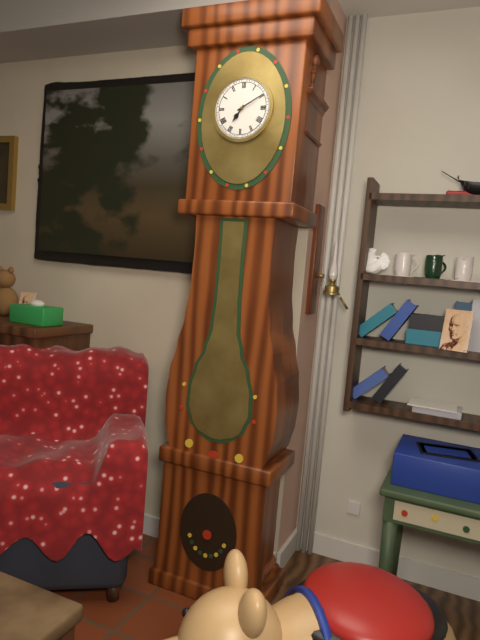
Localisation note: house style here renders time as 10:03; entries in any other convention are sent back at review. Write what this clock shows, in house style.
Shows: 7:10
